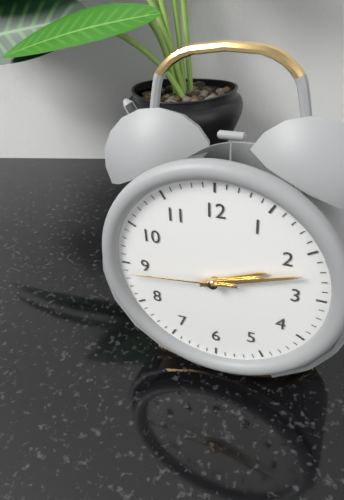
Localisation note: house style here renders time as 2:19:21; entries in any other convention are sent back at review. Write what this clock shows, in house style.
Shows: 2:12:44
